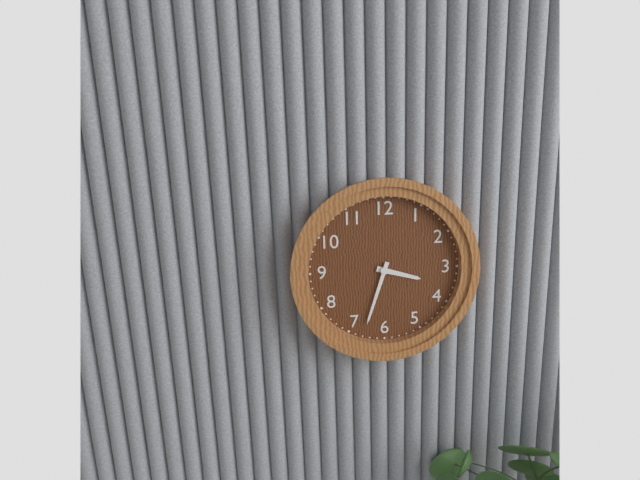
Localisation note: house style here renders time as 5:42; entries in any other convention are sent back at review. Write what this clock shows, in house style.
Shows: 3:33
